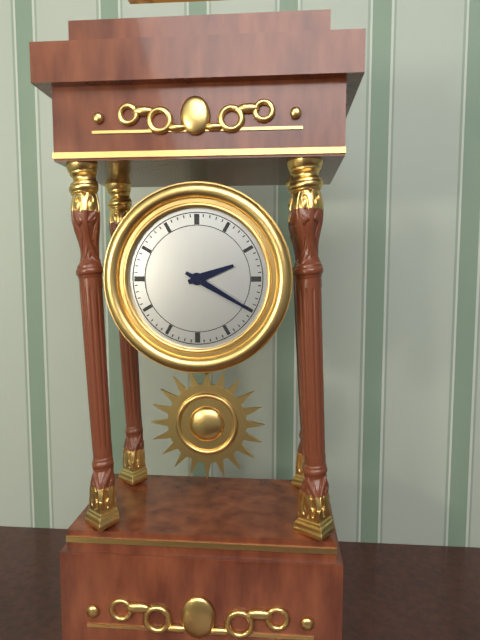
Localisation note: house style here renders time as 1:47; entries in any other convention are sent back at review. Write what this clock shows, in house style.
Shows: 2:20
